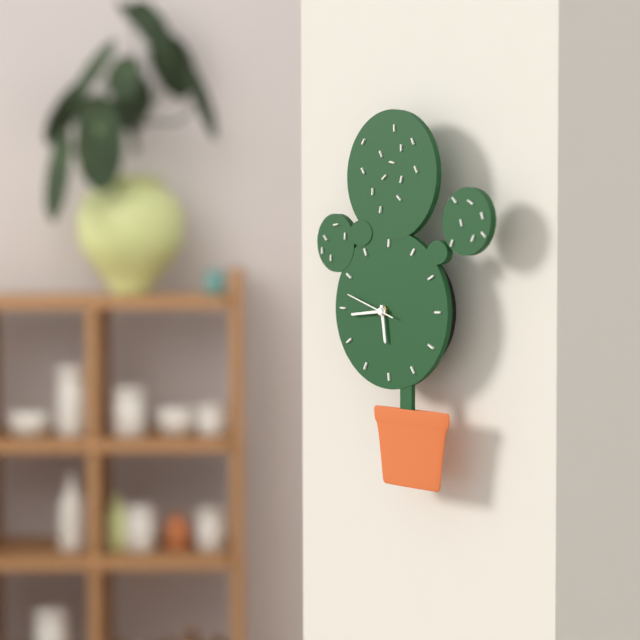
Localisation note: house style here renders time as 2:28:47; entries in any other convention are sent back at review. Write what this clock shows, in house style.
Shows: 5:44:48
